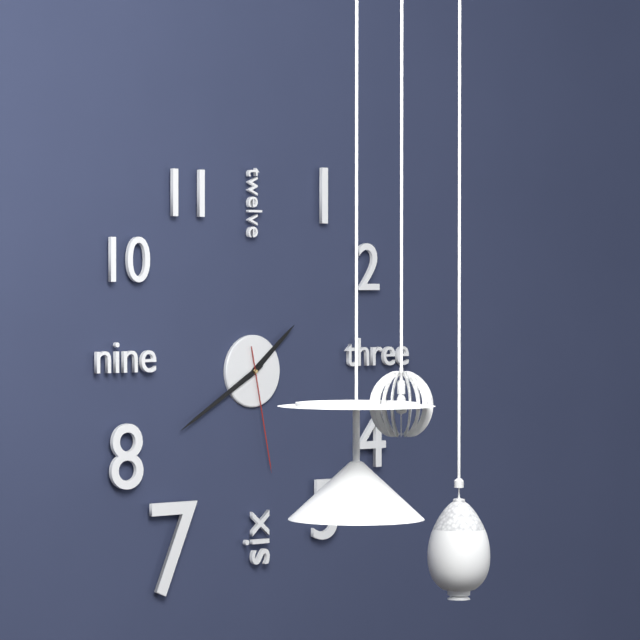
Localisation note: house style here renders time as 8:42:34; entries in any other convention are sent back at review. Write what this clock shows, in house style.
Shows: 1:40:28
